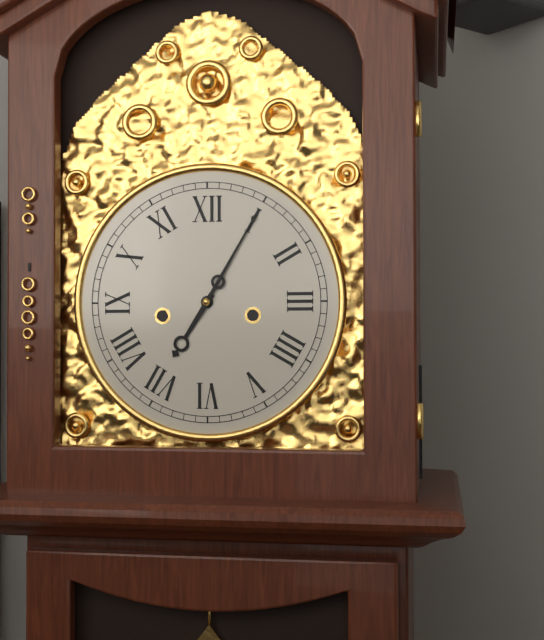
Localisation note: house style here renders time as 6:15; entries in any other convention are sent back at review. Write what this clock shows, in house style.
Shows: 7:05
